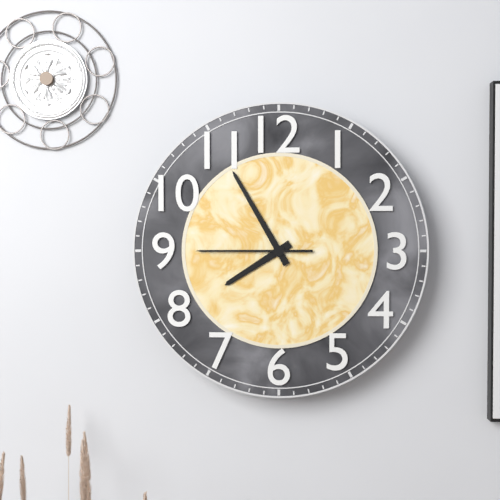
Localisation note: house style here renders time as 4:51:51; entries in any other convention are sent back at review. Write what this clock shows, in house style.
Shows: 7:55:45
